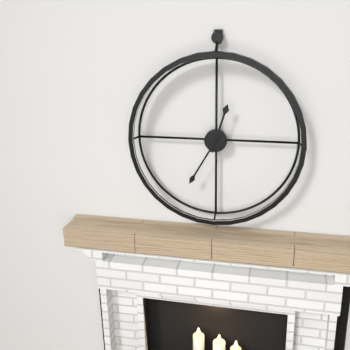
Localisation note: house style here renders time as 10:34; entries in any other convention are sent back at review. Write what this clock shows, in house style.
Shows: 12:35
